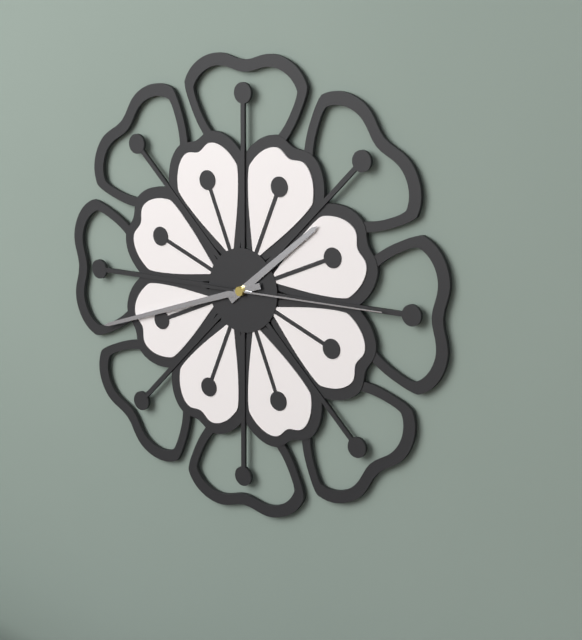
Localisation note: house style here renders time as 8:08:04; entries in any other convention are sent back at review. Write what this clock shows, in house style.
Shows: 1:42:15
